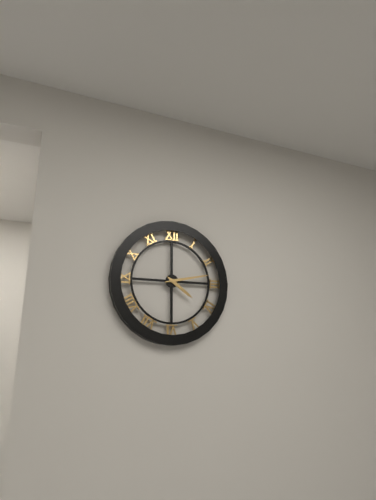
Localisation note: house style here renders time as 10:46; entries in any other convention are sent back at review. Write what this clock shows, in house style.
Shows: 4:13
